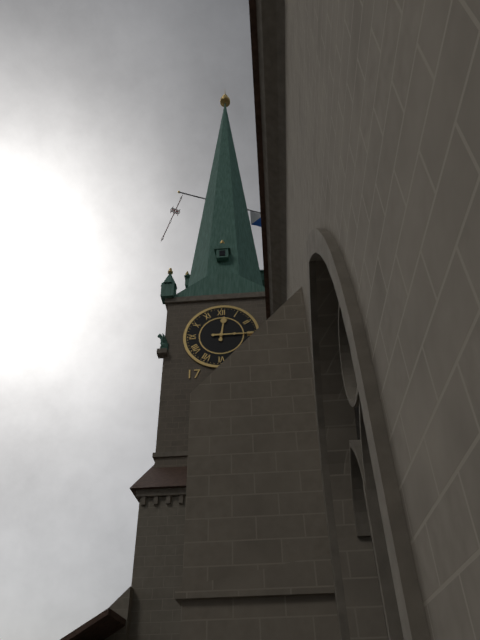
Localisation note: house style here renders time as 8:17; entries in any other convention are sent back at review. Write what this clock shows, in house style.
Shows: 12:15
